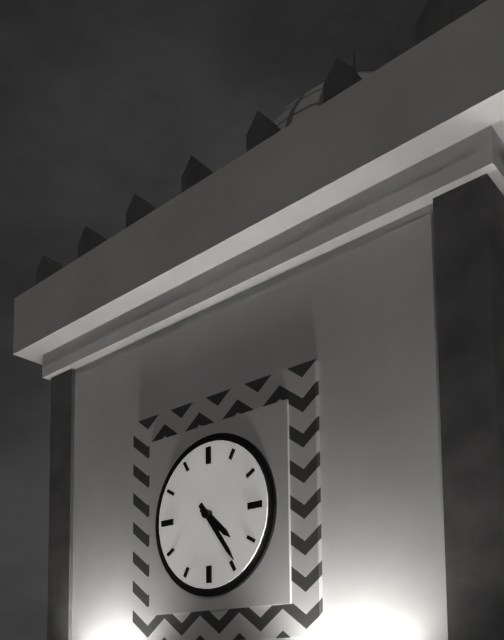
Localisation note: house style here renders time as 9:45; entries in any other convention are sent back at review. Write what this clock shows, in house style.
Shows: 4:24
